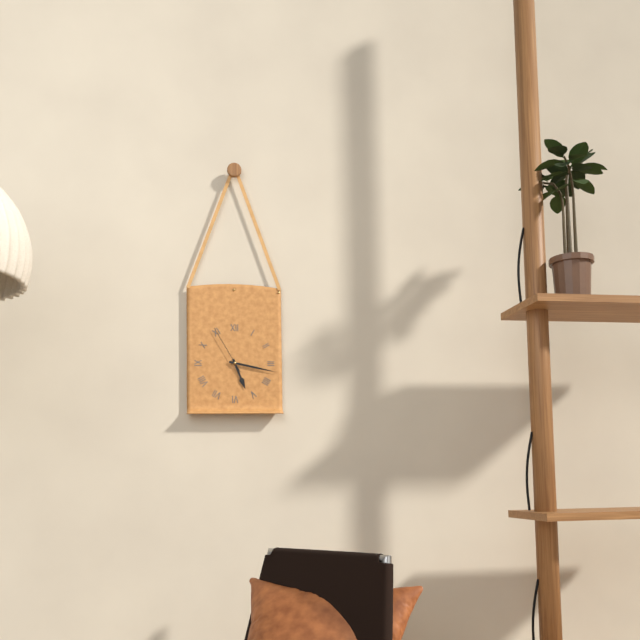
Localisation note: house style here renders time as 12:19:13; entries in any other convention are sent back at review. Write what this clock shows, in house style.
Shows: 5:17:55
